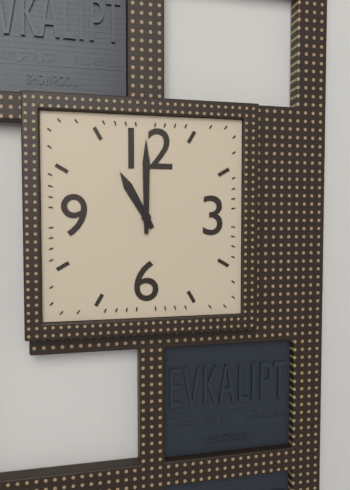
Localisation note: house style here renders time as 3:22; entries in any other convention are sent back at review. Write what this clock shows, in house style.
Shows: 11:00
